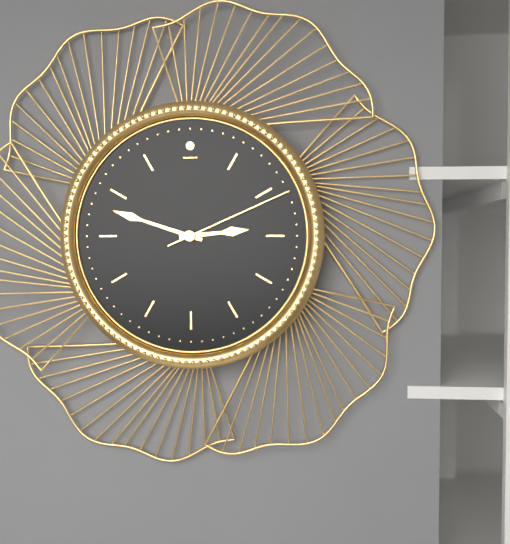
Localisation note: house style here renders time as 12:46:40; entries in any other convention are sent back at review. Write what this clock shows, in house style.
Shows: 2:48:11
